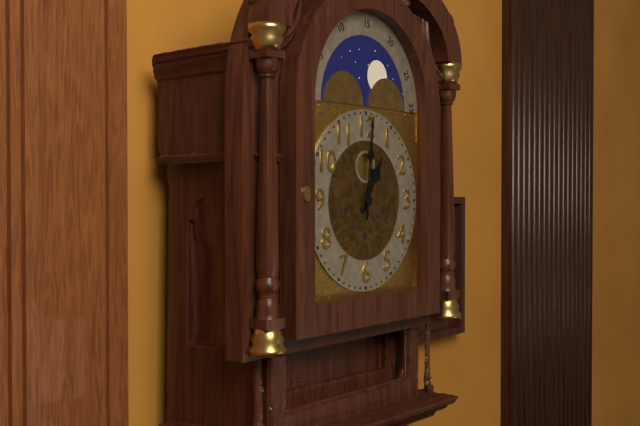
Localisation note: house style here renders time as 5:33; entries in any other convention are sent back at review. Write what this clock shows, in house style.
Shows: 1:01
